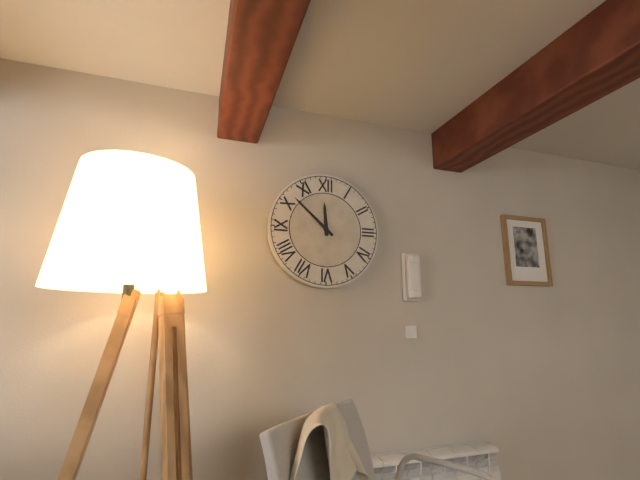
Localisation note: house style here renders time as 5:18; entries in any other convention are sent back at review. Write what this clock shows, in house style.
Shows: 11:52
